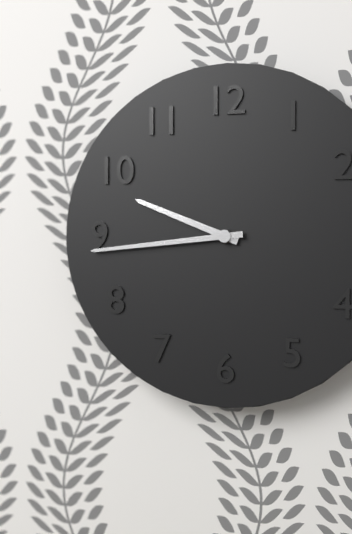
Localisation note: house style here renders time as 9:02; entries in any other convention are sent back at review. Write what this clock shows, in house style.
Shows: 9:44
